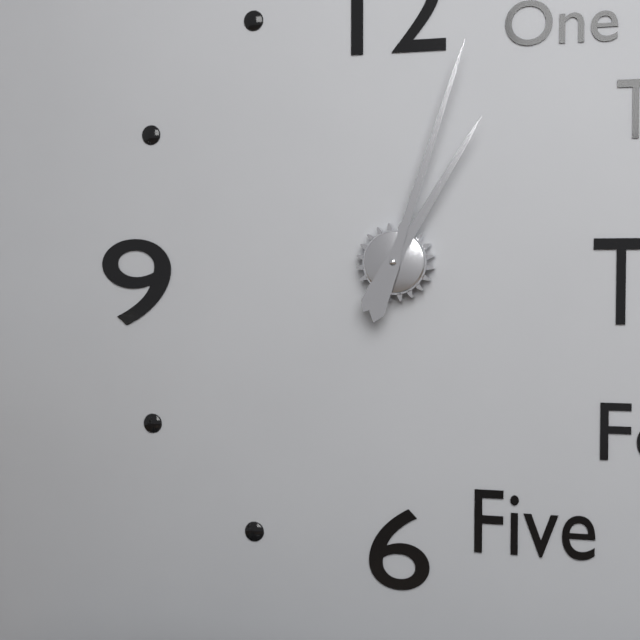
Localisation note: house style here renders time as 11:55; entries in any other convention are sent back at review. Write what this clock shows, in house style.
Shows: 1:03
